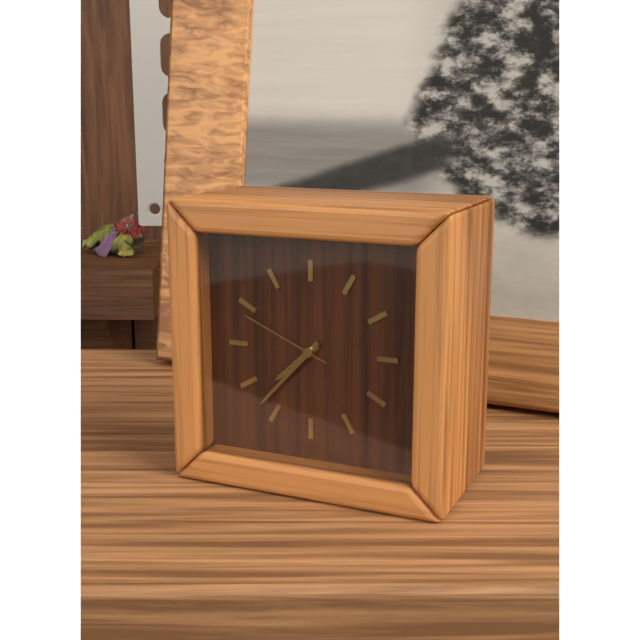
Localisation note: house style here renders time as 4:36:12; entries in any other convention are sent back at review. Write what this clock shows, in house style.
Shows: 7:37:49
